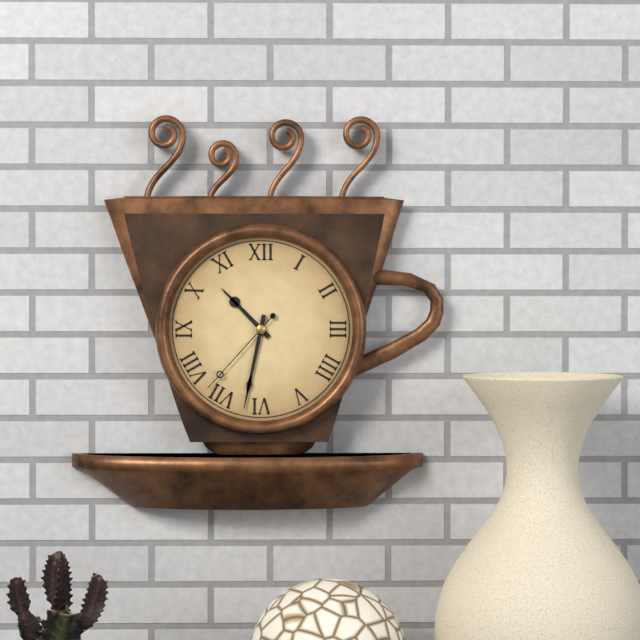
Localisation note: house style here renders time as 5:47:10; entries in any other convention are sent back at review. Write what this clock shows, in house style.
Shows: 10:32:37
